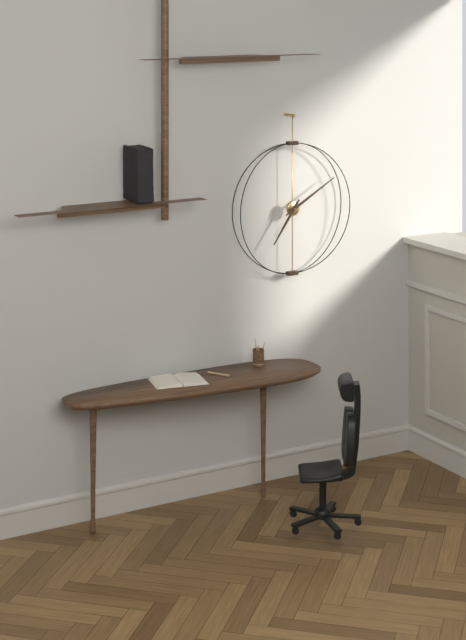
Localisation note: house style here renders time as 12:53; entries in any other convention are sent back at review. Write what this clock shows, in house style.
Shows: 7:10
